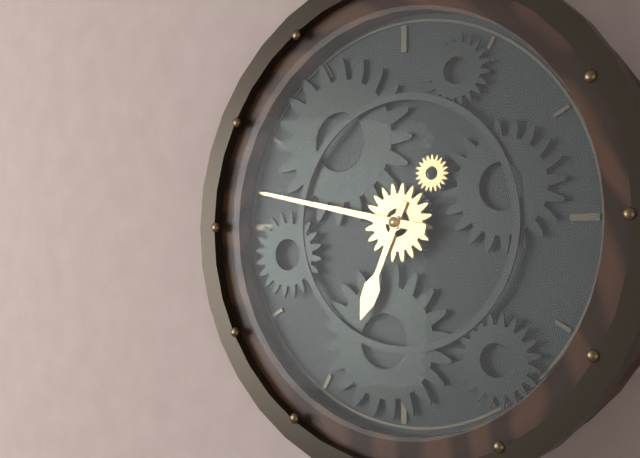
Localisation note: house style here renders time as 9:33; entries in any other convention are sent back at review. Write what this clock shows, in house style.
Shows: 6:47
